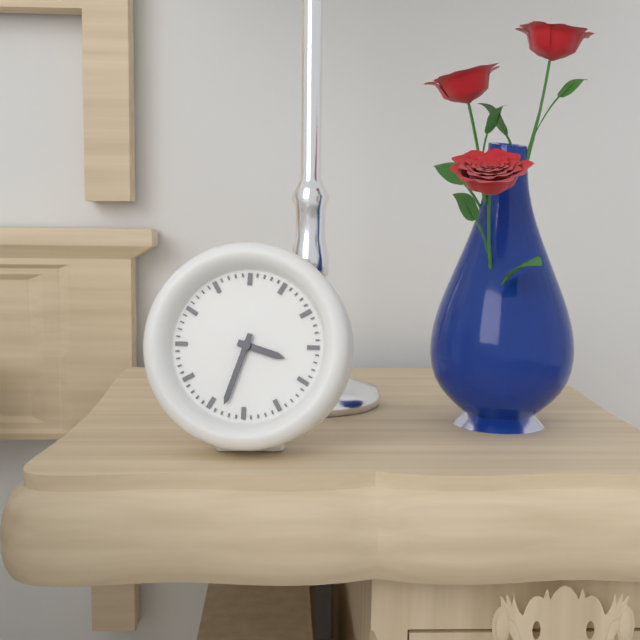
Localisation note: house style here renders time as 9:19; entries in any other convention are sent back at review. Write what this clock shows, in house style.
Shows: 3:33
